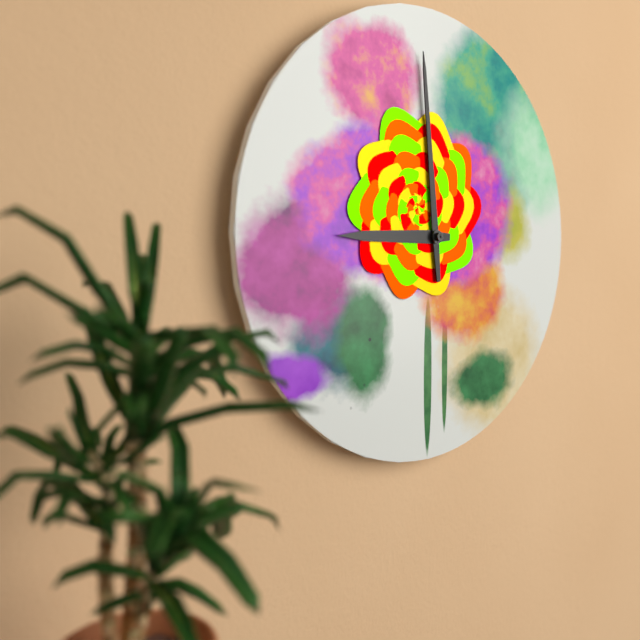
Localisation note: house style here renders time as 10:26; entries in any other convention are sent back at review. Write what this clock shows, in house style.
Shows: 8:59
